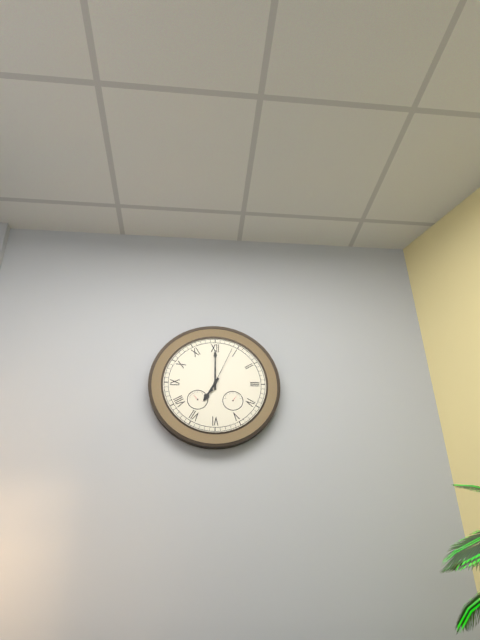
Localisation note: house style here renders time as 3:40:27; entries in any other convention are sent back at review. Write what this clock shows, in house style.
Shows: 7:00:04
